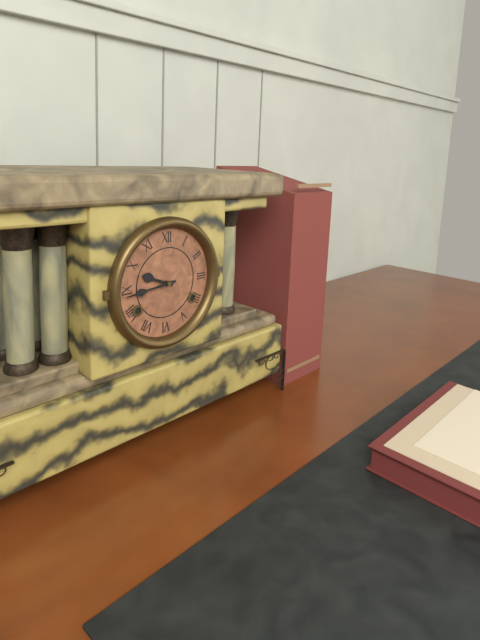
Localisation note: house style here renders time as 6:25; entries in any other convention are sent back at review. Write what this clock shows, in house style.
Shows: 9:44
